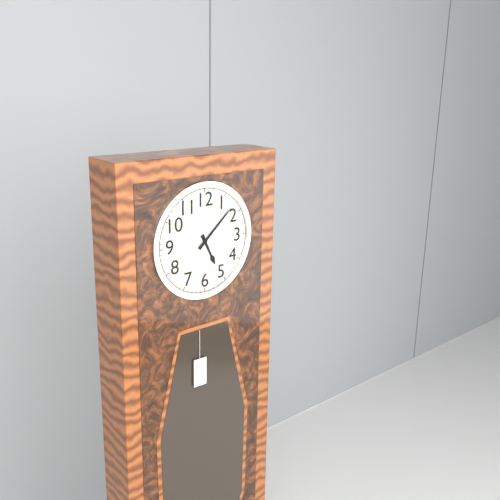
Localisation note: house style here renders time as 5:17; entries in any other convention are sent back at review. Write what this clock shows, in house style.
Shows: 5:08
